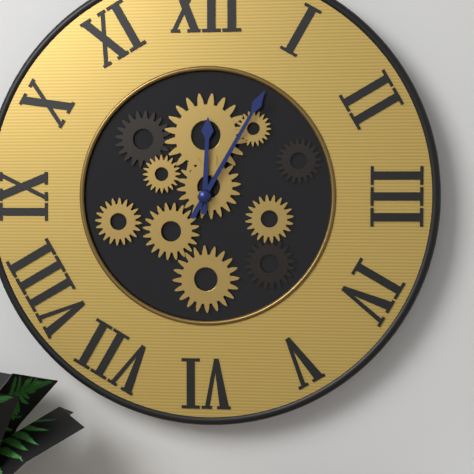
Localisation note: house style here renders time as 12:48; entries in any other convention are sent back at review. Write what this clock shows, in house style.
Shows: 12:05
